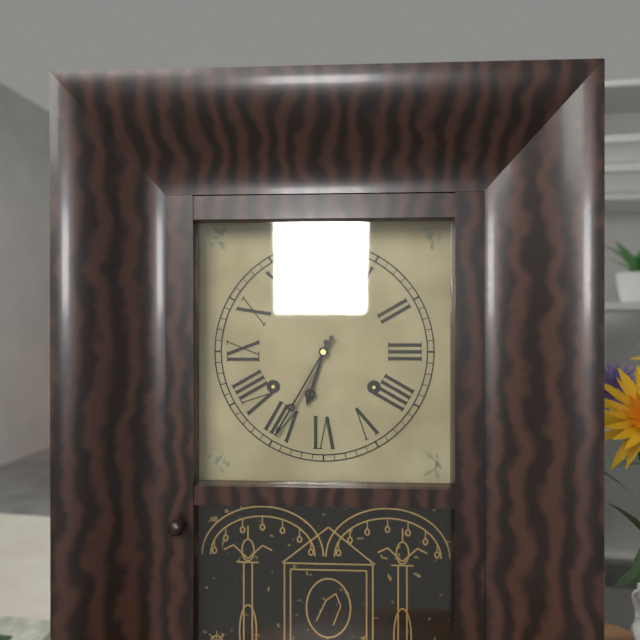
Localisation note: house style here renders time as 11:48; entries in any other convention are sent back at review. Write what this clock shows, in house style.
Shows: 6:35
